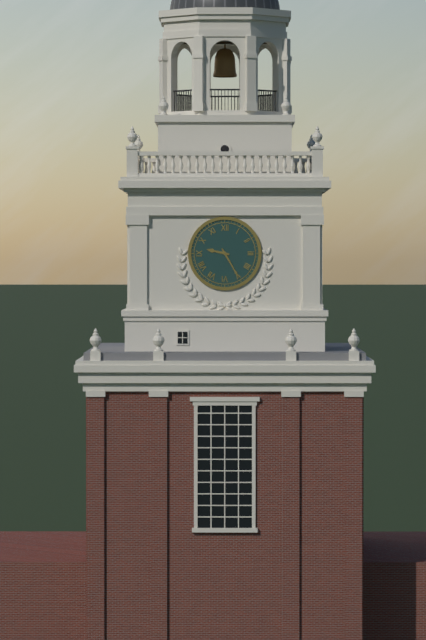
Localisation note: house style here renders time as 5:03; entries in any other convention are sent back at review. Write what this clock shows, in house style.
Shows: 9:25
